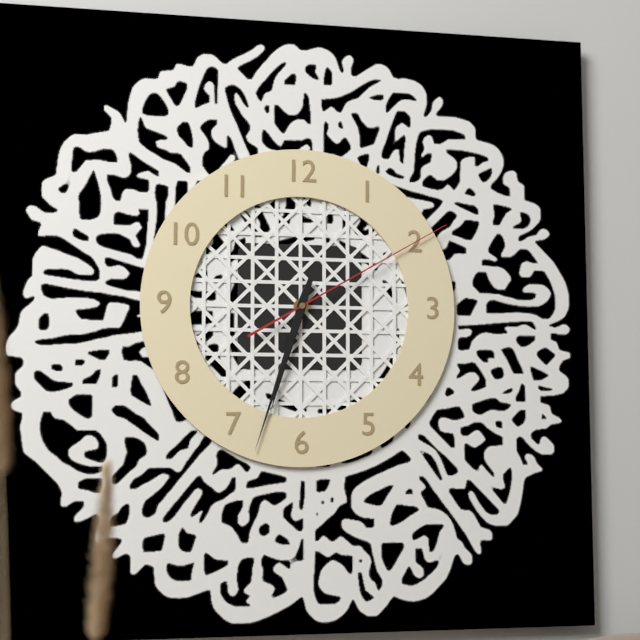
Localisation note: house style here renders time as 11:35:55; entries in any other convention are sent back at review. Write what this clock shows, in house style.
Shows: 6:33:10
